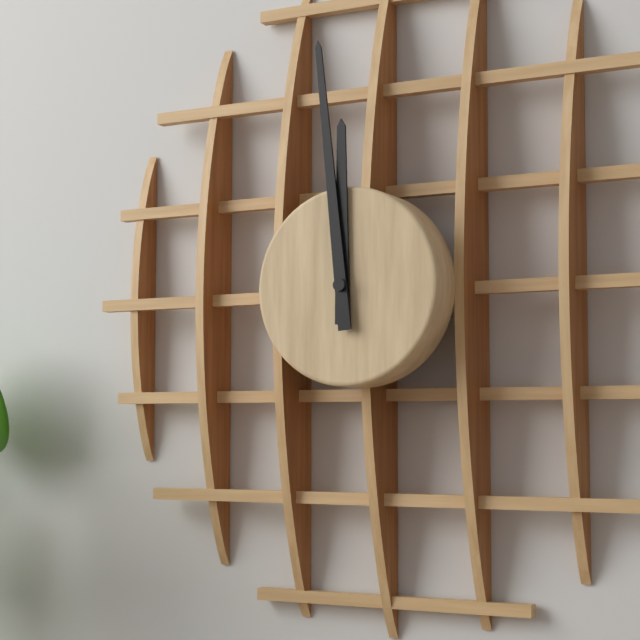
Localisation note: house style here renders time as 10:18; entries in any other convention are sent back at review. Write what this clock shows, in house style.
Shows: 11:59
